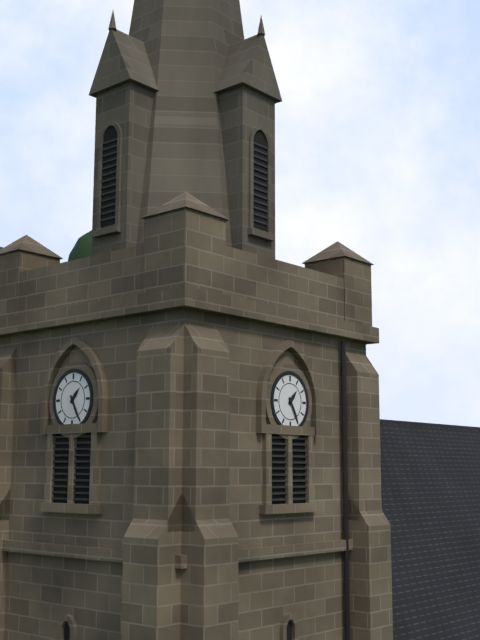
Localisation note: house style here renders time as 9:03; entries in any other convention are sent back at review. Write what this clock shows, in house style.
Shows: 1:25
